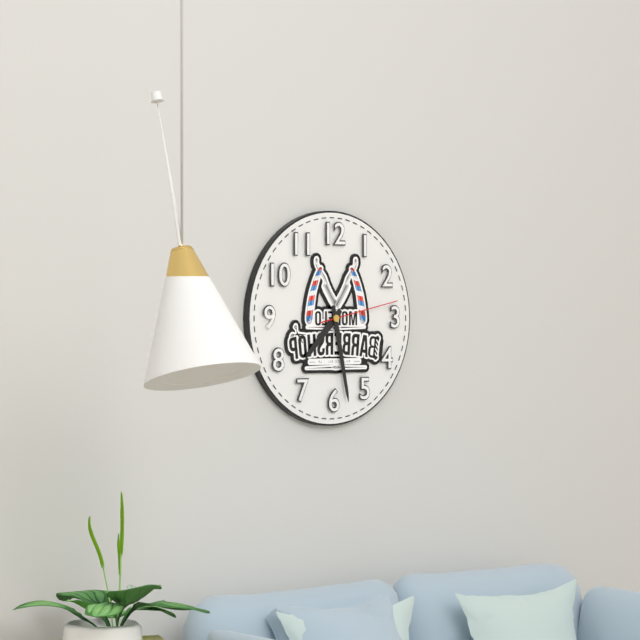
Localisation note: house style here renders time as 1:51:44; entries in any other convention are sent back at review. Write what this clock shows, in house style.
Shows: 7:28:13
